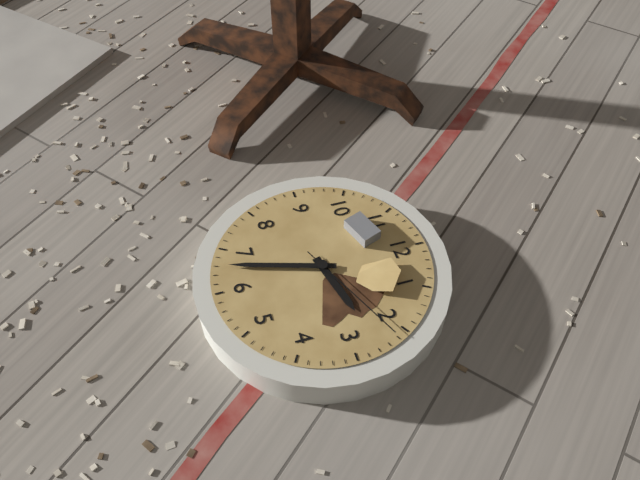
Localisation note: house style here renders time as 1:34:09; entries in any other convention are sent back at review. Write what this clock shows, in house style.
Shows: 2:33:11
